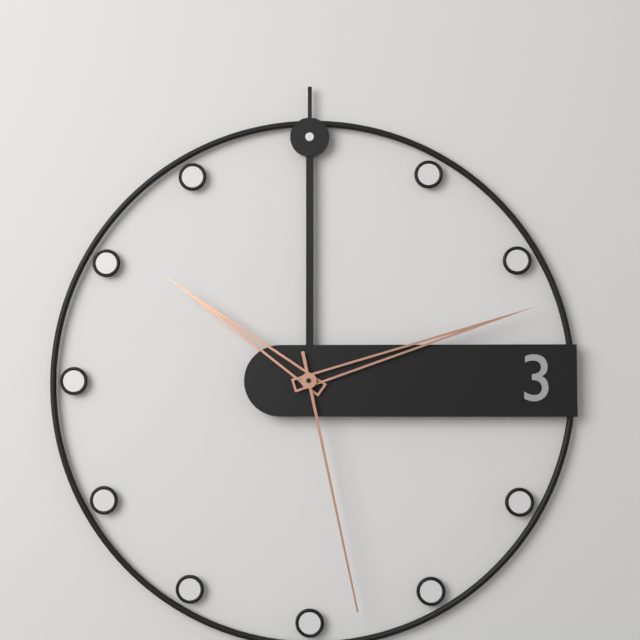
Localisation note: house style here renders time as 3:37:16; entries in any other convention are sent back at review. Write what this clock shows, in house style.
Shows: 10:12:28
